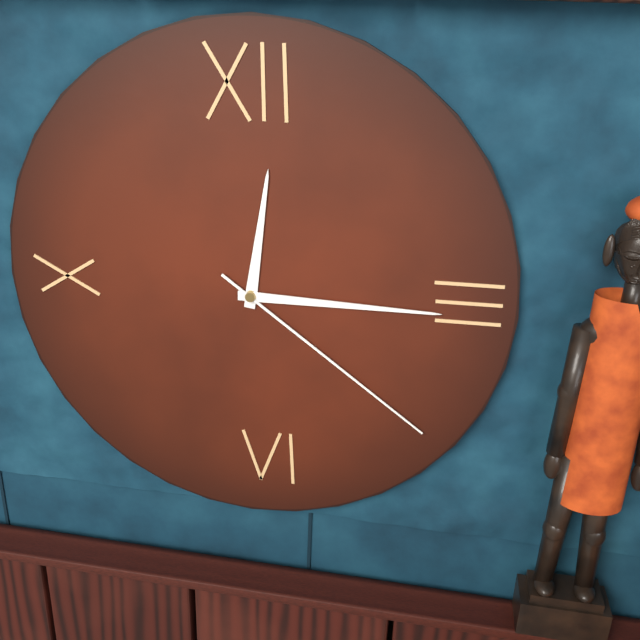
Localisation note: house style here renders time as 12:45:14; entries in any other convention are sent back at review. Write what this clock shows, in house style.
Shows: 12:15:21
